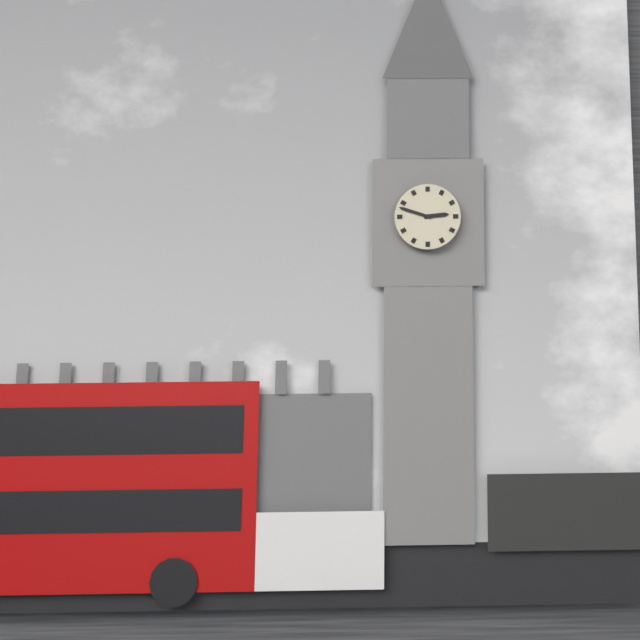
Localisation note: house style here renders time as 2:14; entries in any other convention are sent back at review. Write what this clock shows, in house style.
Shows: 2:48
